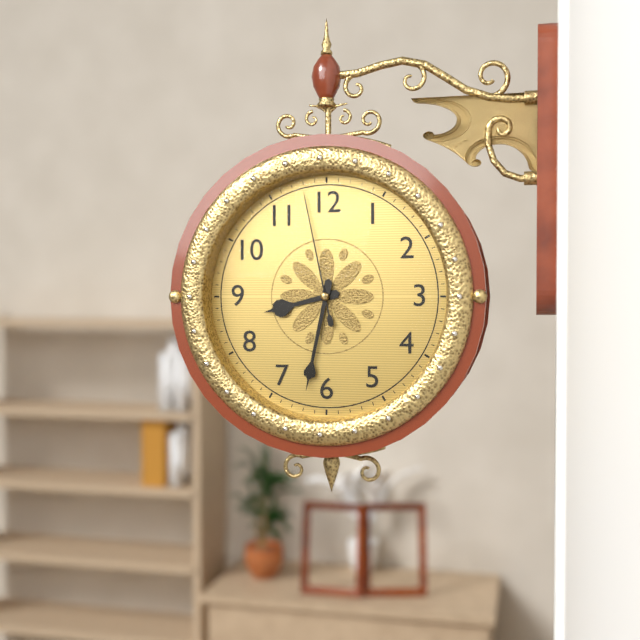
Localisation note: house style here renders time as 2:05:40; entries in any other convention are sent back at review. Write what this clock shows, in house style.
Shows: 8:32:58
